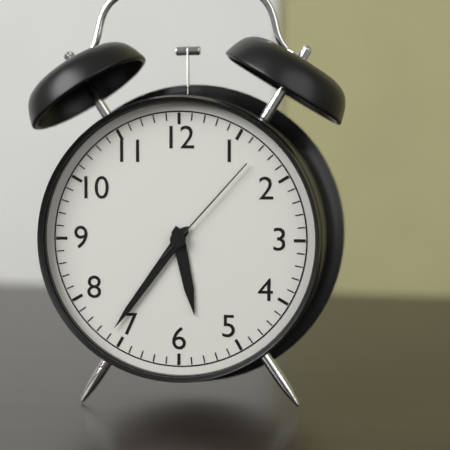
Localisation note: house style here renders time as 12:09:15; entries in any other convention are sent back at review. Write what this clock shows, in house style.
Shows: 5:36:07
